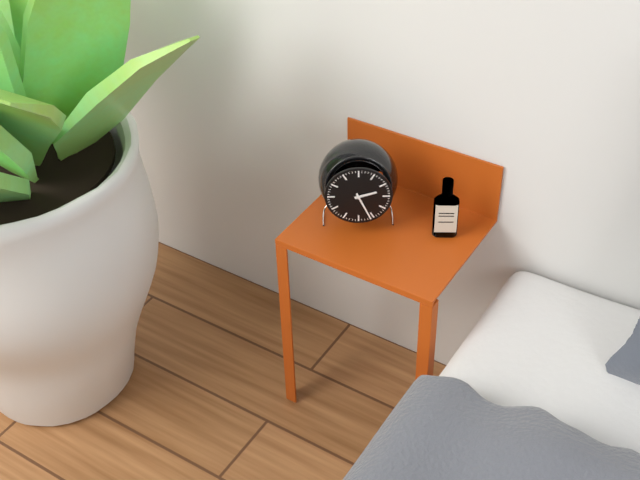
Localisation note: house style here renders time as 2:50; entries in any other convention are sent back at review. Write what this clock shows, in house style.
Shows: 2:26
